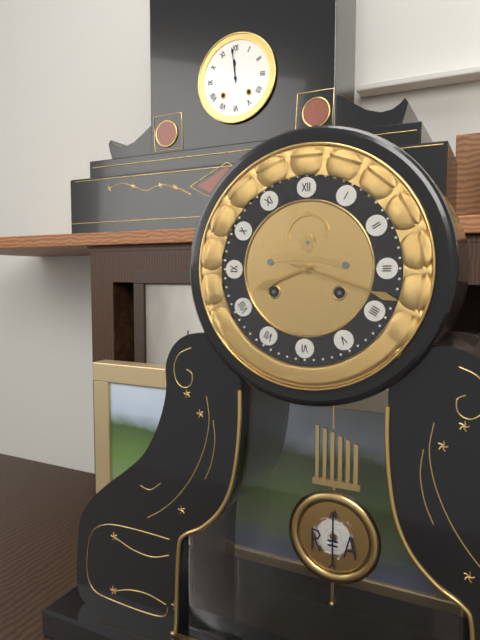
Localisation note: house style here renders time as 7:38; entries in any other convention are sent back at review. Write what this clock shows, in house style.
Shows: 8:18
